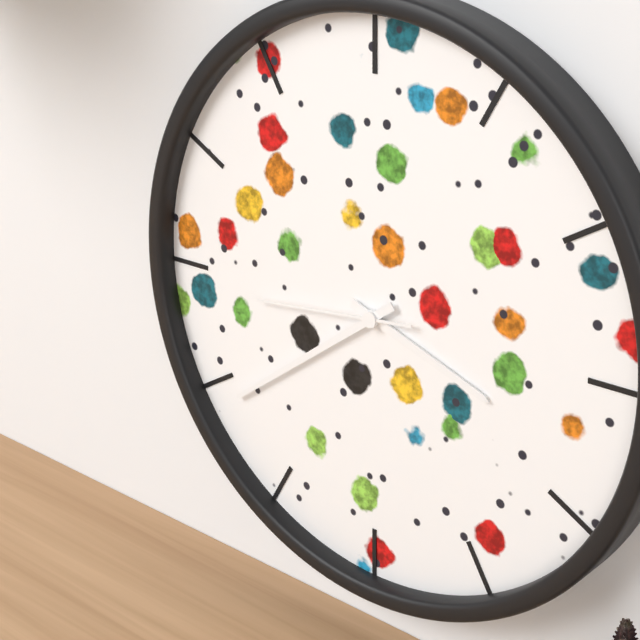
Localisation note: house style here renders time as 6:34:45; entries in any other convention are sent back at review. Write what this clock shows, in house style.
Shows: 3:39:44
